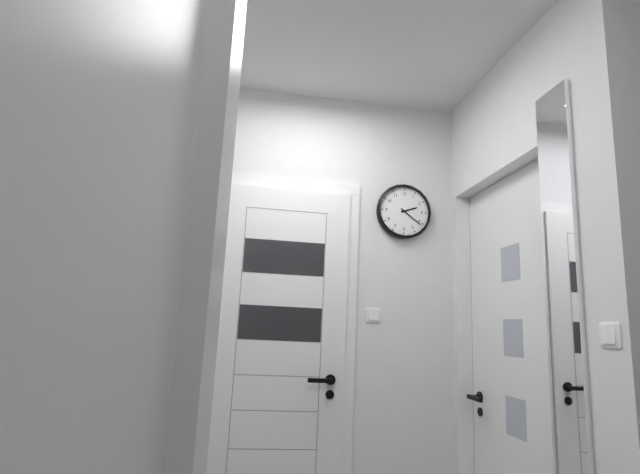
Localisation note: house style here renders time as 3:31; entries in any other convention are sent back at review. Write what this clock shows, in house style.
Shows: 2:21
